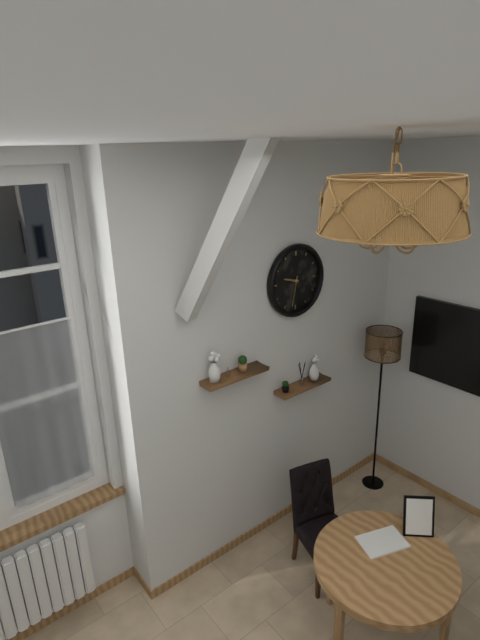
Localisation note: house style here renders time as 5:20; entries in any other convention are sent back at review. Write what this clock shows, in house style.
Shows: 9:32
